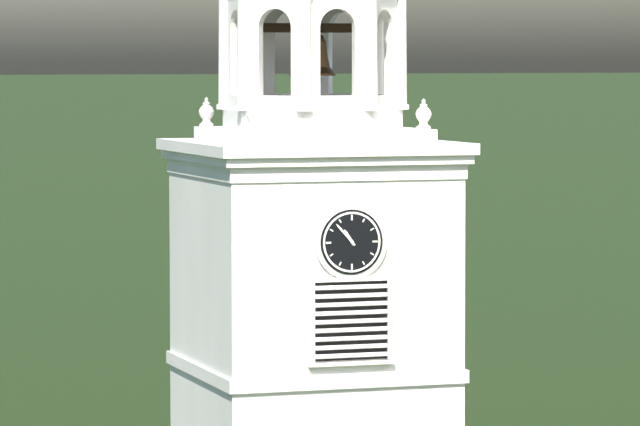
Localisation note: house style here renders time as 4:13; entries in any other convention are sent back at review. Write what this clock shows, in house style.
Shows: 10:53
